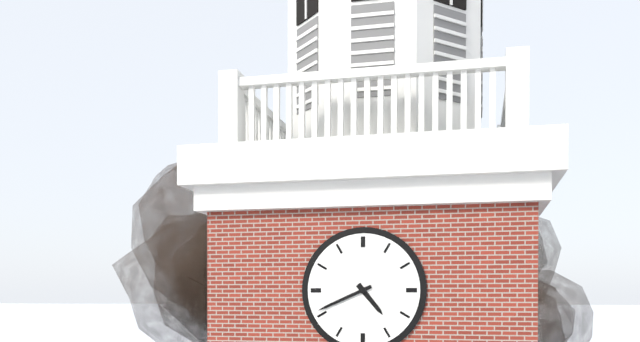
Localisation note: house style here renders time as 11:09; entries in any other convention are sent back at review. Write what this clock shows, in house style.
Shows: 4:41
